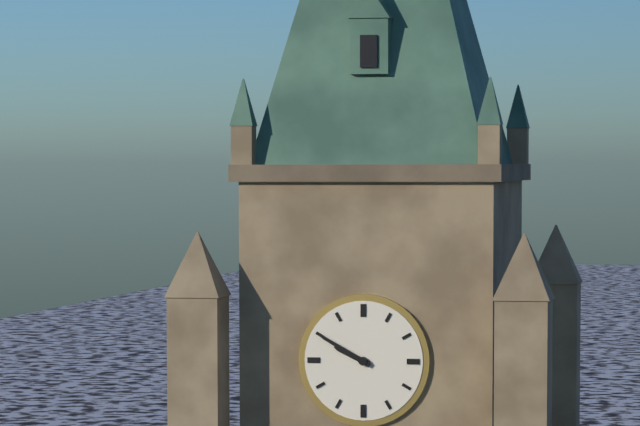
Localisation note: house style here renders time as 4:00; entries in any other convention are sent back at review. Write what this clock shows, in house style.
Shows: 9:50
